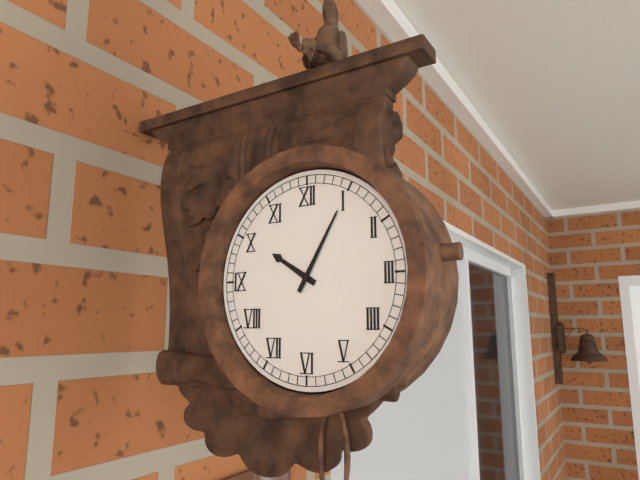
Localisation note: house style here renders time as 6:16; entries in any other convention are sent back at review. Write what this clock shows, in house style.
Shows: 10:05
